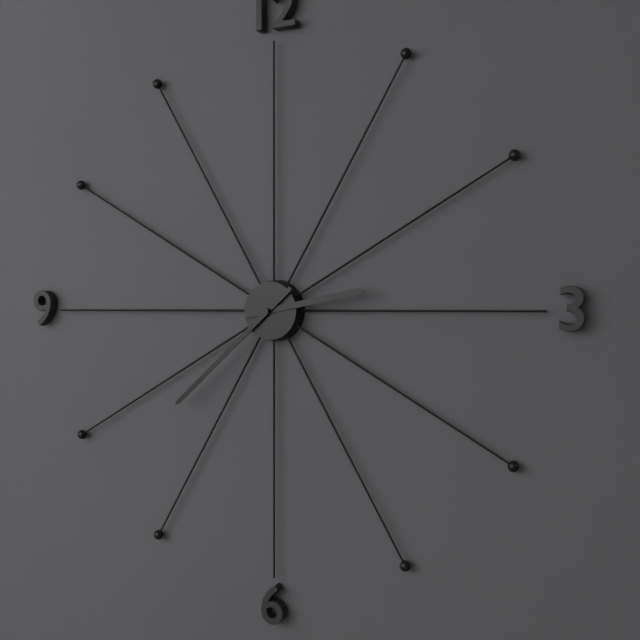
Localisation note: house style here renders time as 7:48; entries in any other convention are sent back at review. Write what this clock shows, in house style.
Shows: 2:38
